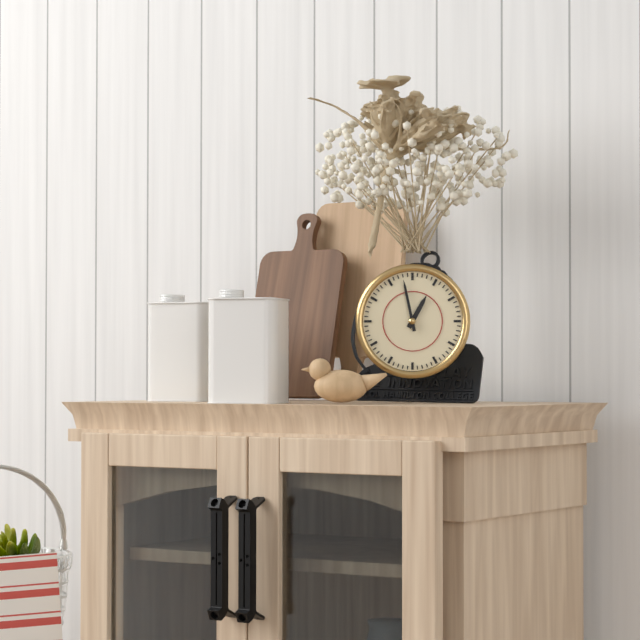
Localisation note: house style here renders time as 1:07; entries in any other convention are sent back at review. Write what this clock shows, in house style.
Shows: 12:58
